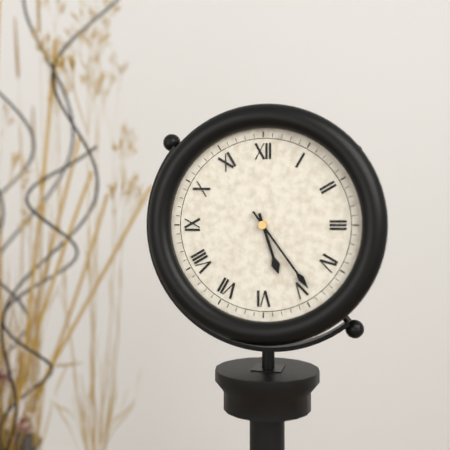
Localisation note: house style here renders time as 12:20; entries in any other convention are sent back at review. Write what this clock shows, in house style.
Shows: 5:24
